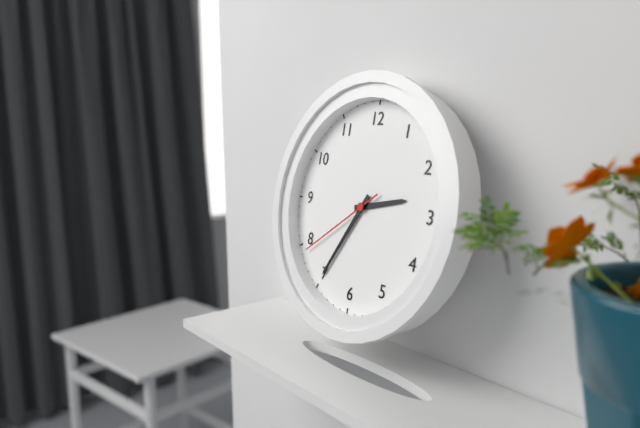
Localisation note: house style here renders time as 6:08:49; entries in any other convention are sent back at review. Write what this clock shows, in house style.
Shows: 2:35:39
